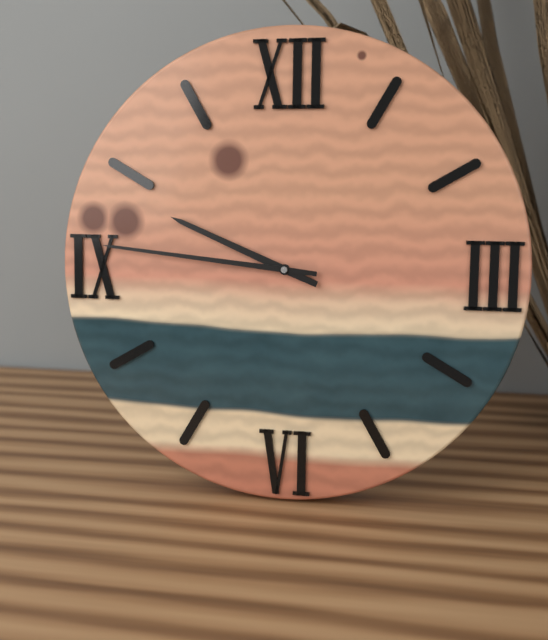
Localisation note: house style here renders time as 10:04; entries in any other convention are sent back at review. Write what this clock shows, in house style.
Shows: 9:46
